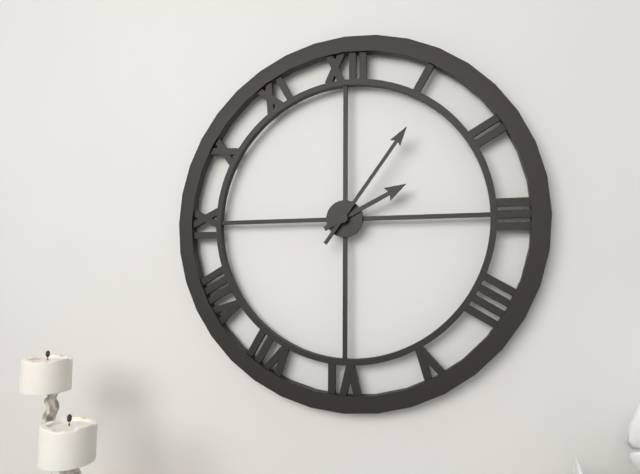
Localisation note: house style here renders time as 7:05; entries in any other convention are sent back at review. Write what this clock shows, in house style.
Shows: 2:06
